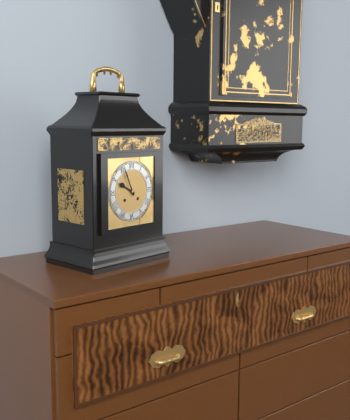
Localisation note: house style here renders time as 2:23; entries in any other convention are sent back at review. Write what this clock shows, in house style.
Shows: 9:56
